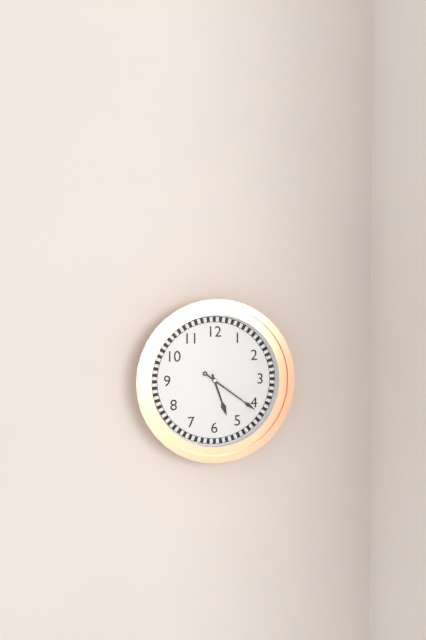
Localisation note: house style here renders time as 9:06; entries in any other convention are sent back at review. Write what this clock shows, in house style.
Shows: 5:21
